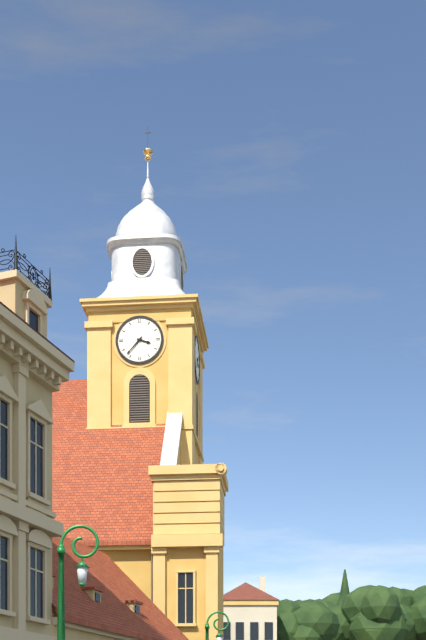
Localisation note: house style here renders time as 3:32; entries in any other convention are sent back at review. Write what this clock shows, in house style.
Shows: 3:37
